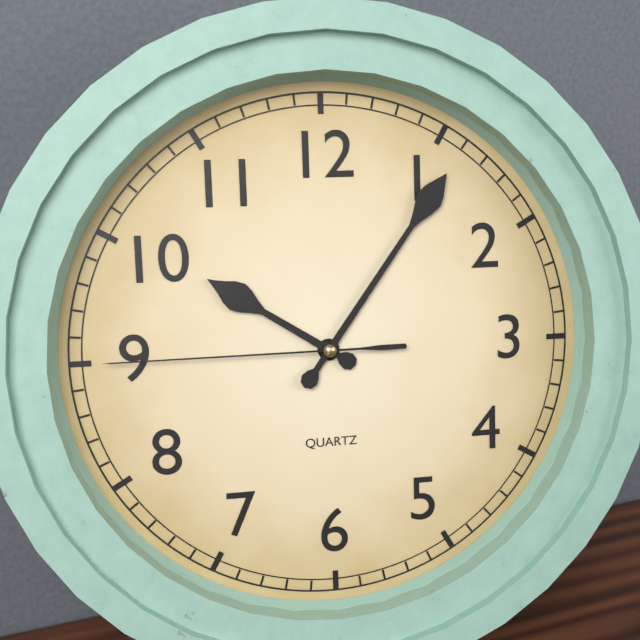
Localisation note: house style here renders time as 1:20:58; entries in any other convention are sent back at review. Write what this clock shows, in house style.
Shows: 10:06:45
